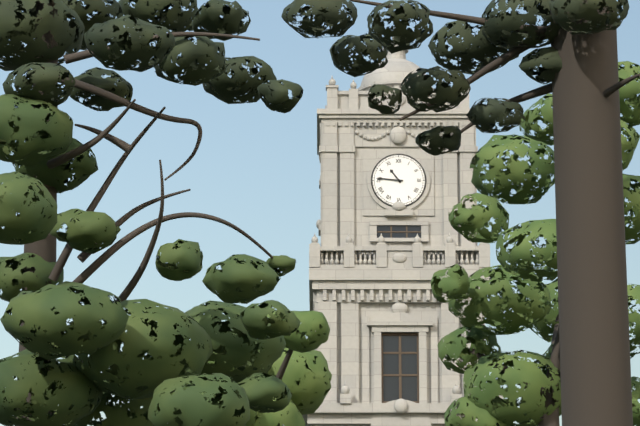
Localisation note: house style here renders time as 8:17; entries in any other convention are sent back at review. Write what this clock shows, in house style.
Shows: 10:46
